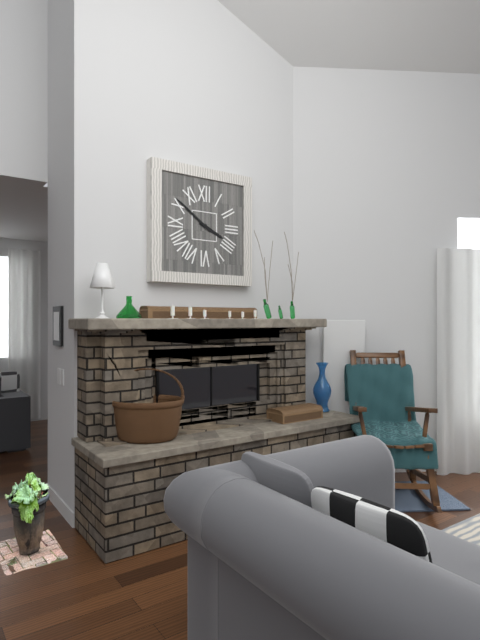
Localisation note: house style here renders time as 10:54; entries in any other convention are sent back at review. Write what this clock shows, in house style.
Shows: 3:51
